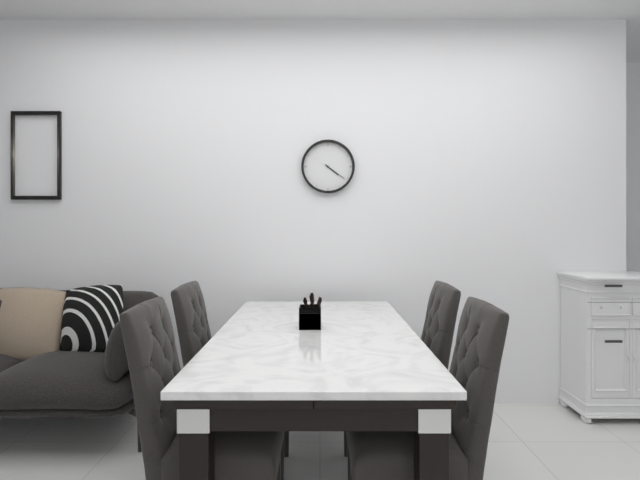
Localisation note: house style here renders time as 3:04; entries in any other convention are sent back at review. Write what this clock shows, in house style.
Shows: 4:21
